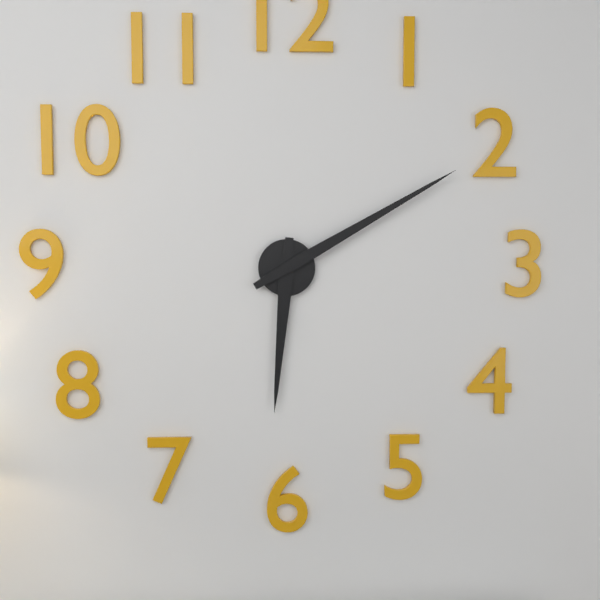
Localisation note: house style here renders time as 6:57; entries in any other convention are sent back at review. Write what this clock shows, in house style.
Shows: 6:10
